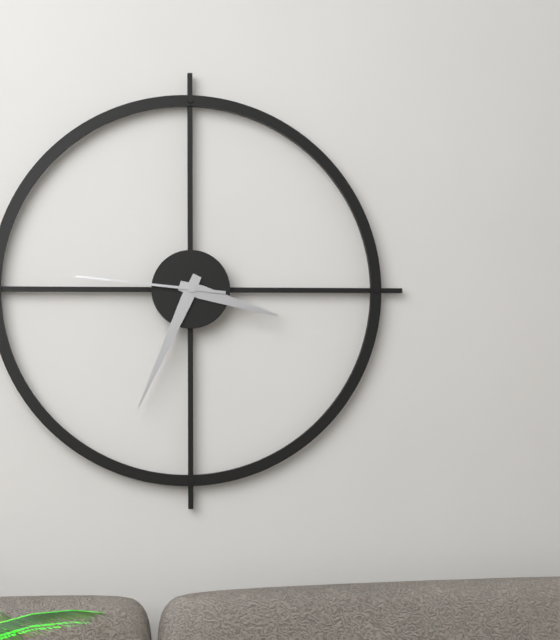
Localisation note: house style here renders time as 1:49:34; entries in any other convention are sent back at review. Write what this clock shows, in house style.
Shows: 3:34:46
